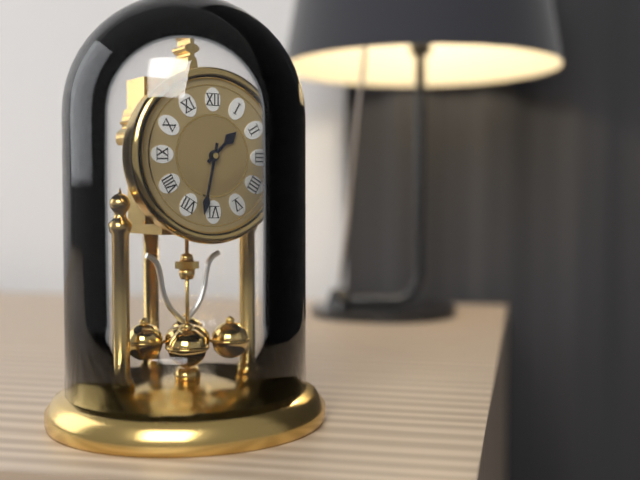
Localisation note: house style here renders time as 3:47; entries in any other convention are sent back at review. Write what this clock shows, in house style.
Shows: 1:32
